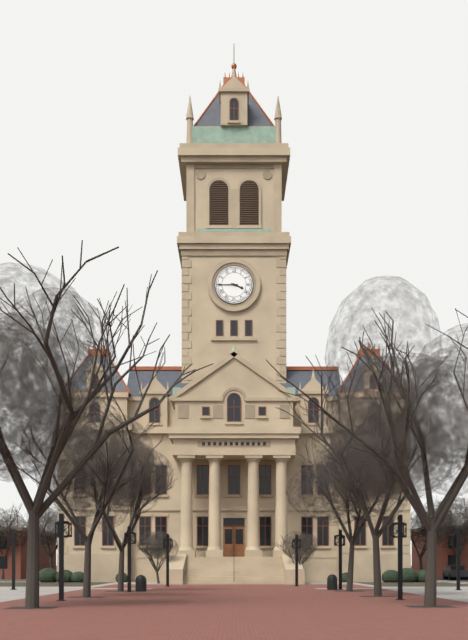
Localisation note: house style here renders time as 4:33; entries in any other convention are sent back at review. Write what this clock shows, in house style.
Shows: 3:45
